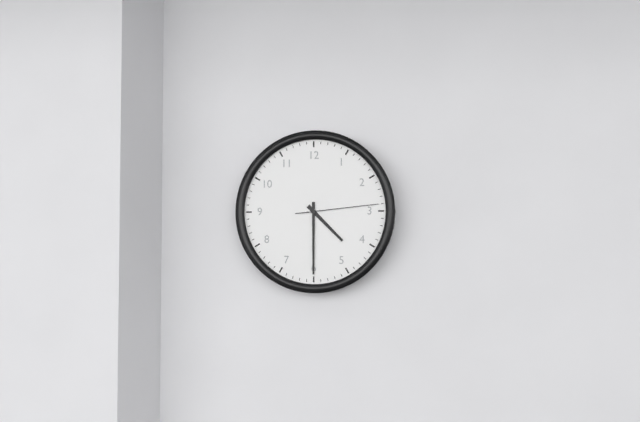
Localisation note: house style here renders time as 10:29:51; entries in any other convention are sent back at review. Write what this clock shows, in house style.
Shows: 4:30:14
